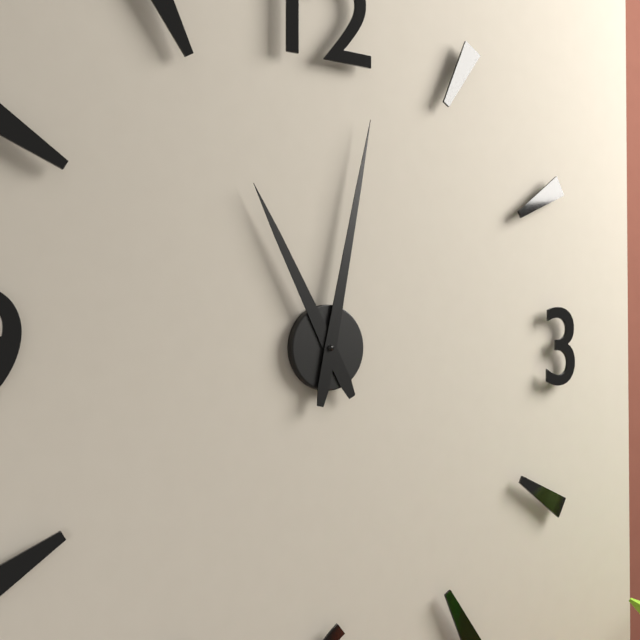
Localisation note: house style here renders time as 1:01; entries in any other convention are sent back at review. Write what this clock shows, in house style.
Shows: 11:02
